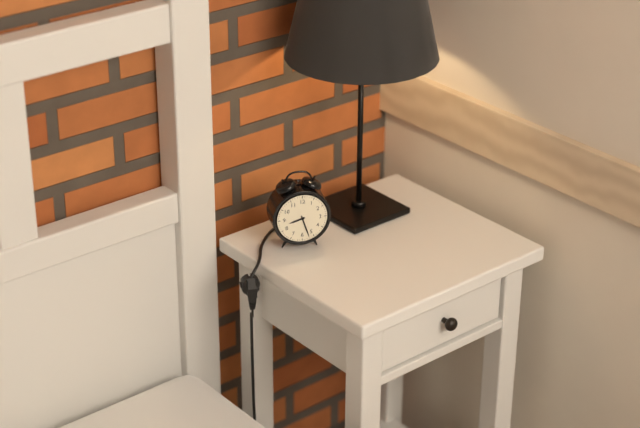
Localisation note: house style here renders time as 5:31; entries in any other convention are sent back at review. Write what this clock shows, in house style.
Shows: 8:27
